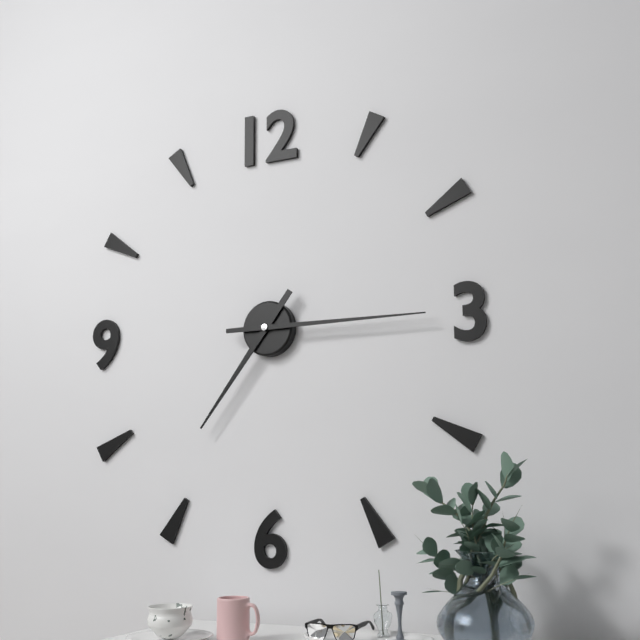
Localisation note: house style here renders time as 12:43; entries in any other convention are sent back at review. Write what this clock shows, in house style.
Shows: 7:15
